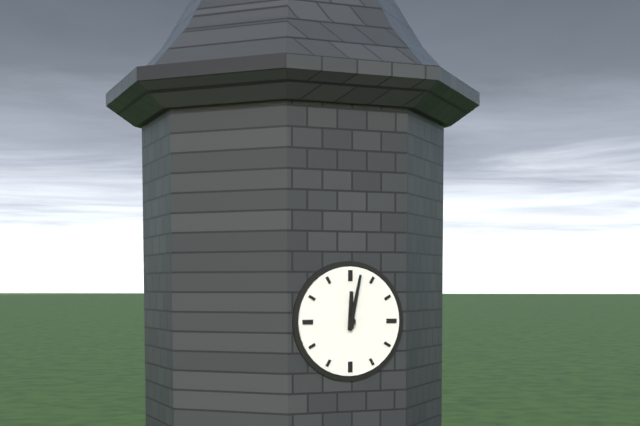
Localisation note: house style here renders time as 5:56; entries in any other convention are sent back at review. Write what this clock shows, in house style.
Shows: 12:02
